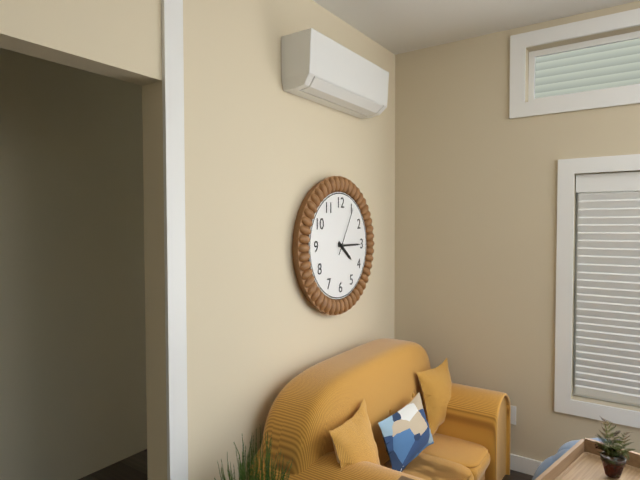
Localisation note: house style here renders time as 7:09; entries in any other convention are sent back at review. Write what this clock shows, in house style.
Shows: 4:15
